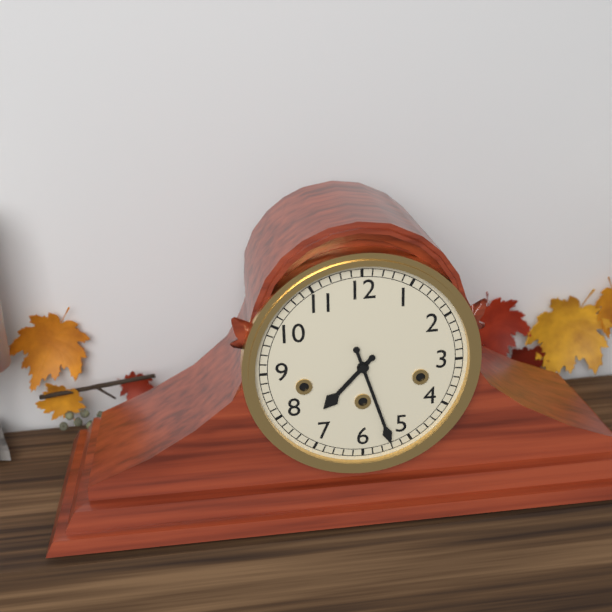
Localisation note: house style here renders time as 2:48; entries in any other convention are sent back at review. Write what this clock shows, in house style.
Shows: 7:27
